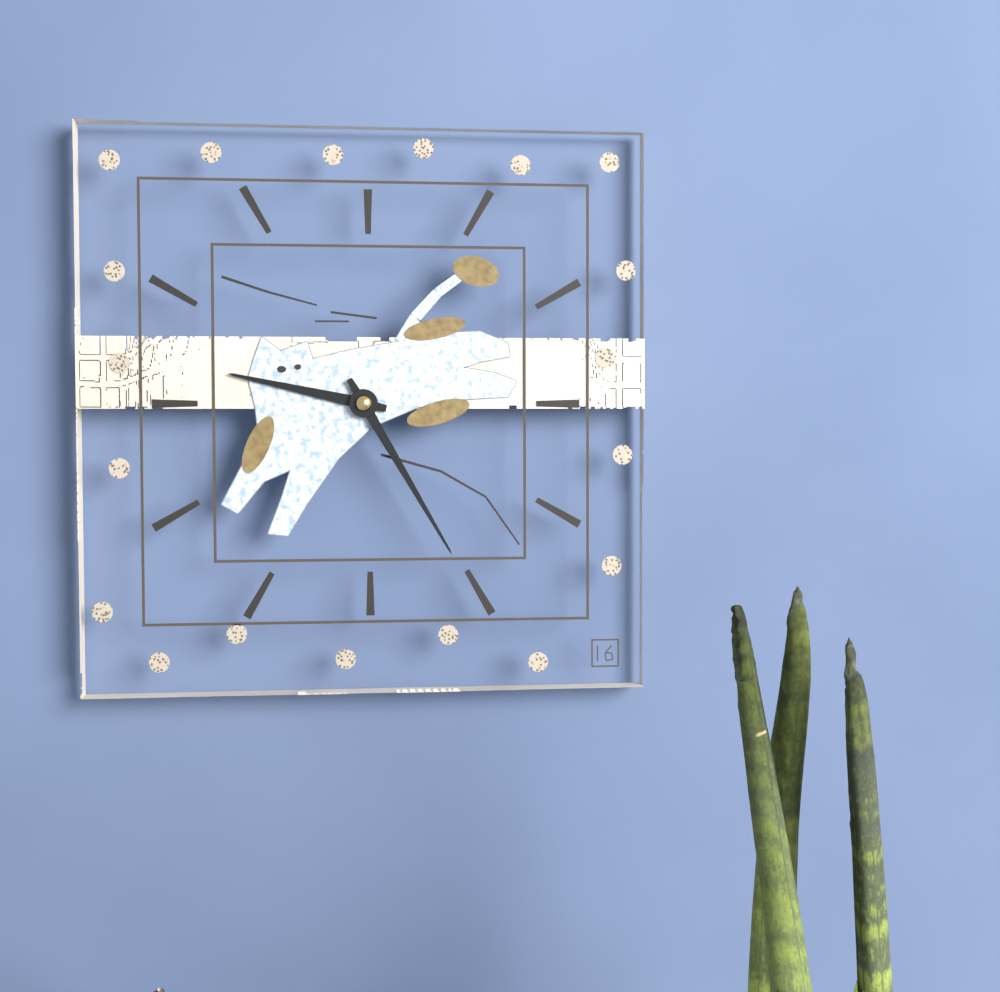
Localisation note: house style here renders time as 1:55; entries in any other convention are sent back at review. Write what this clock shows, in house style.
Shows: 9:25
